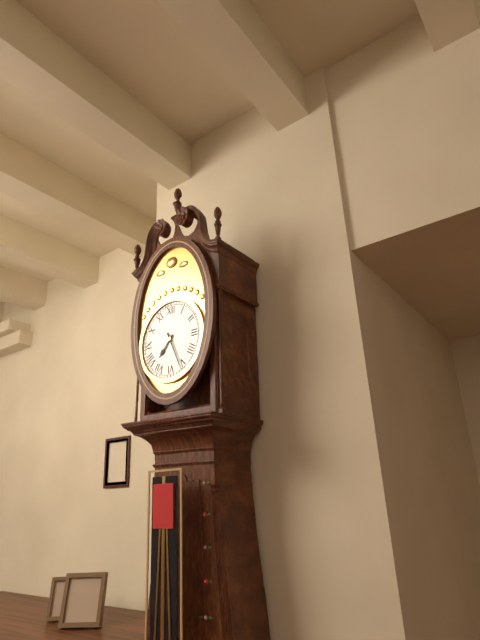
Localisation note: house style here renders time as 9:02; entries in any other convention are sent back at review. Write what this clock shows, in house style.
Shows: 7:26
